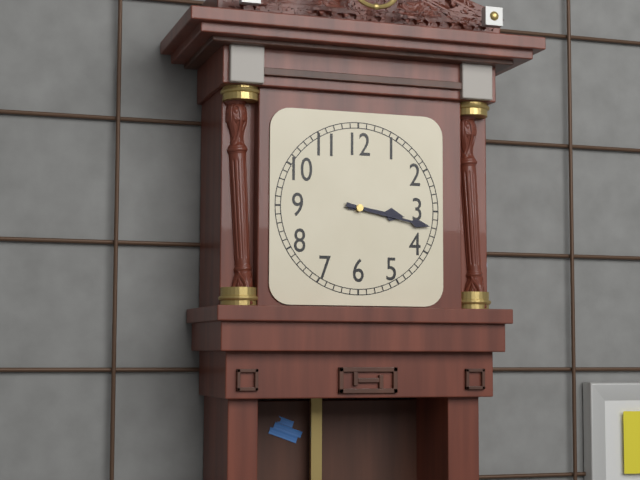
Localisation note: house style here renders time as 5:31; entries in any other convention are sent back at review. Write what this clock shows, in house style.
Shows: 3:17
